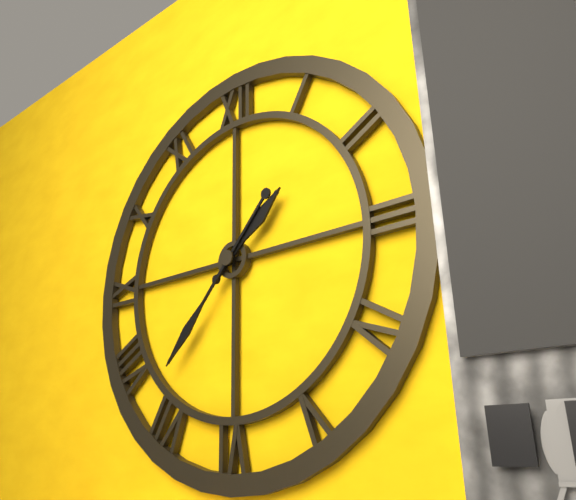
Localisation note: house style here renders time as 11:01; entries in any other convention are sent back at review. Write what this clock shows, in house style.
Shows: 1:37
